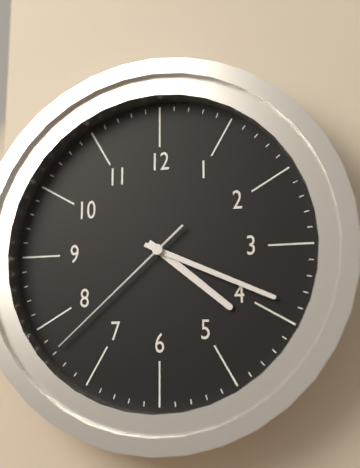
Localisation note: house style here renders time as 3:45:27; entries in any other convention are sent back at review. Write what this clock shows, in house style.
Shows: 4:19:38
